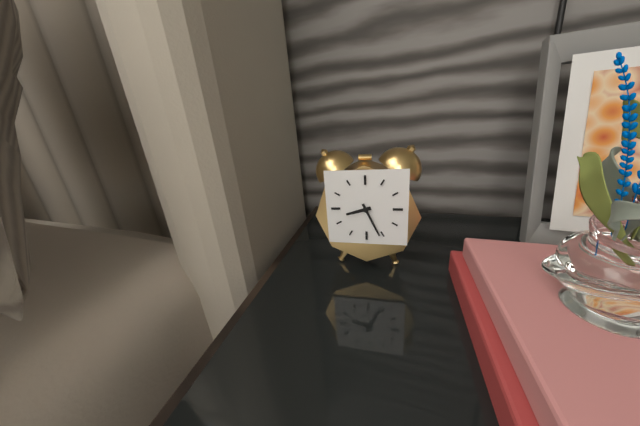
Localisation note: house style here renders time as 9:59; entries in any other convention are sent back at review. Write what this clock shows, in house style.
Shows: 8:26
